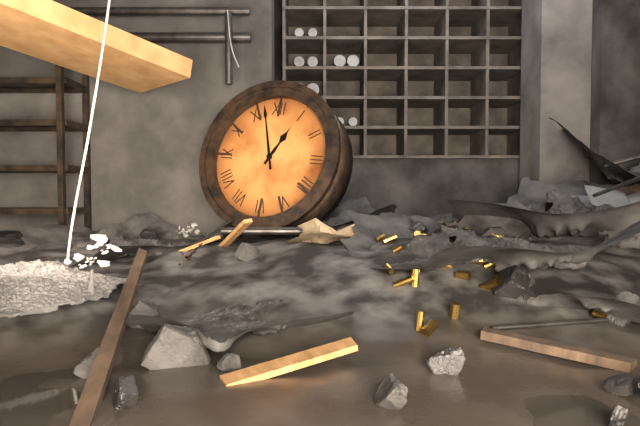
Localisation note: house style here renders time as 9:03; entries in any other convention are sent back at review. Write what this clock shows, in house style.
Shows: 12:57
